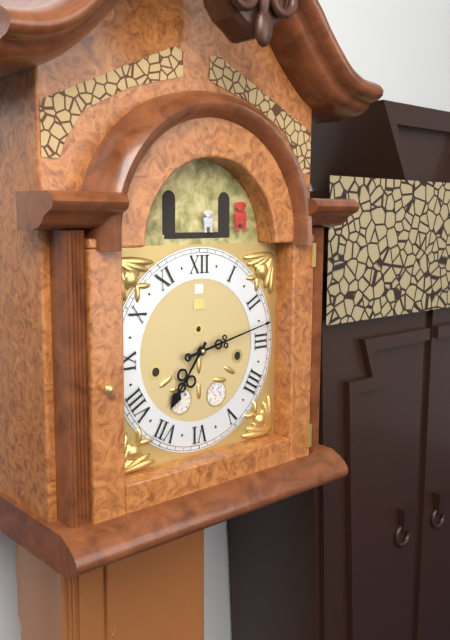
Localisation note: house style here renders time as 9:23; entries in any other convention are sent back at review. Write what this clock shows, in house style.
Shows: 7:13
